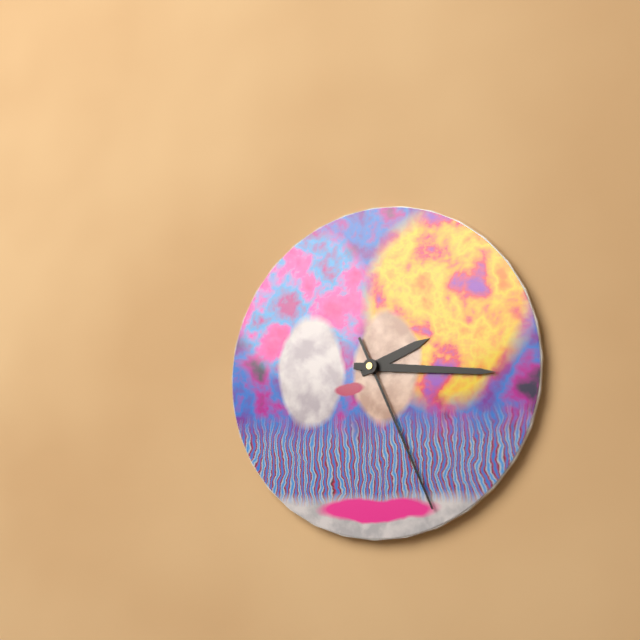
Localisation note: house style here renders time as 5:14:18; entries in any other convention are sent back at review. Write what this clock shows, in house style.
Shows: 2:16:26
